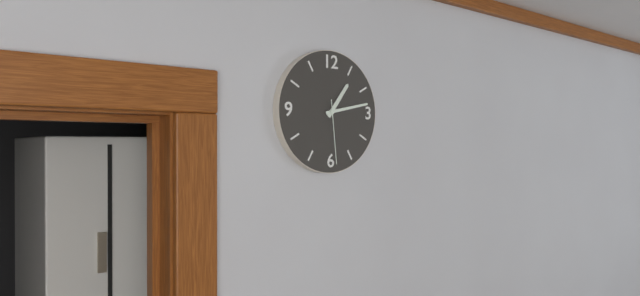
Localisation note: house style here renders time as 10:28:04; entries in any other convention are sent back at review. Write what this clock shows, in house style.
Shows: 1:13:29
